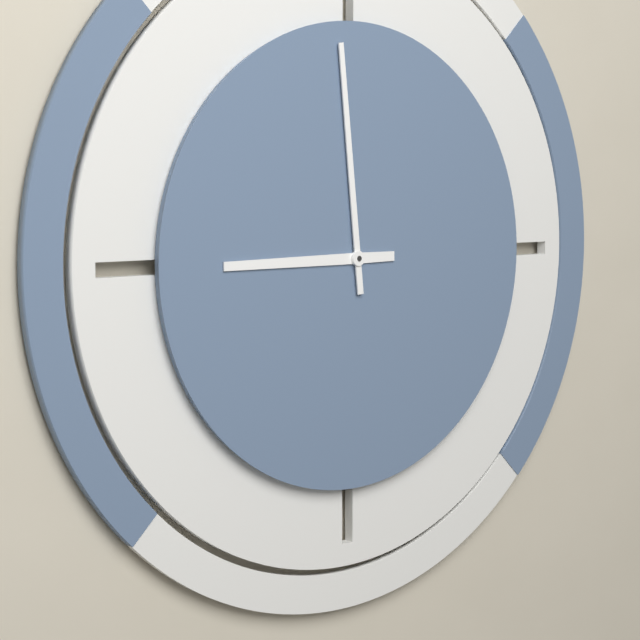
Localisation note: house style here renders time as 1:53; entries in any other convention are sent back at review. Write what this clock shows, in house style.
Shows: 8:59
